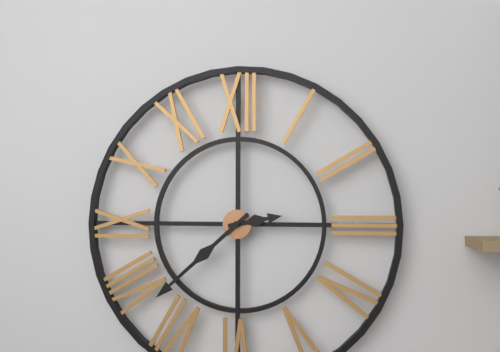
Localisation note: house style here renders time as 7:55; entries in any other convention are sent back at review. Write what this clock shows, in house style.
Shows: 2:38
